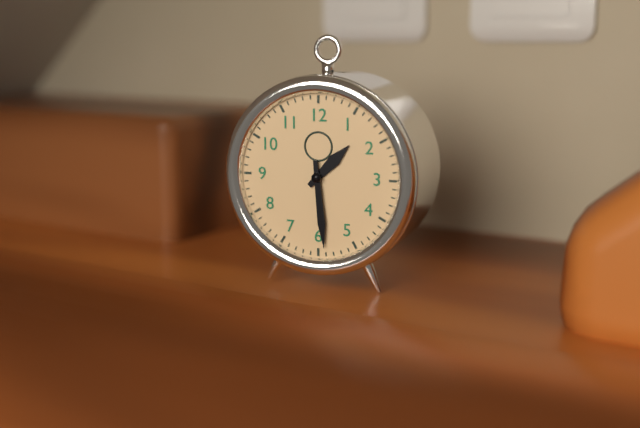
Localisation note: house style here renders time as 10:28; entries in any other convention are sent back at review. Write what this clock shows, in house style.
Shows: 1:29
